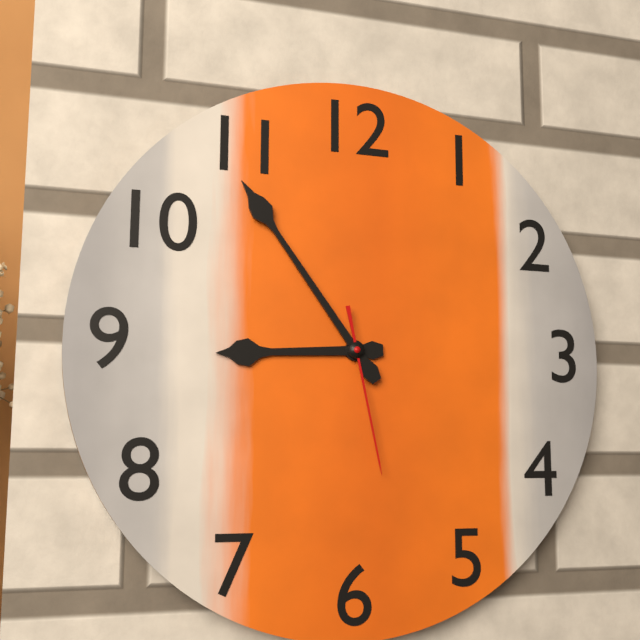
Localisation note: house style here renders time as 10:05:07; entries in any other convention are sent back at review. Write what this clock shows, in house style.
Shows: 8:54:28
